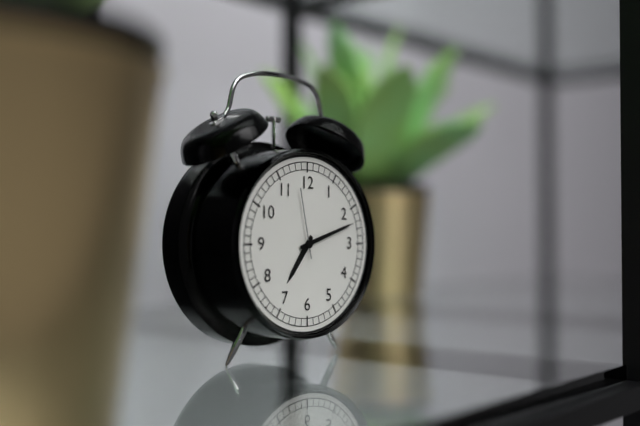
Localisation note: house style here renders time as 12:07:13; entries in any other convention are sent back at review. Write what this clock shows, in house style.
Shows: 7:12:58
